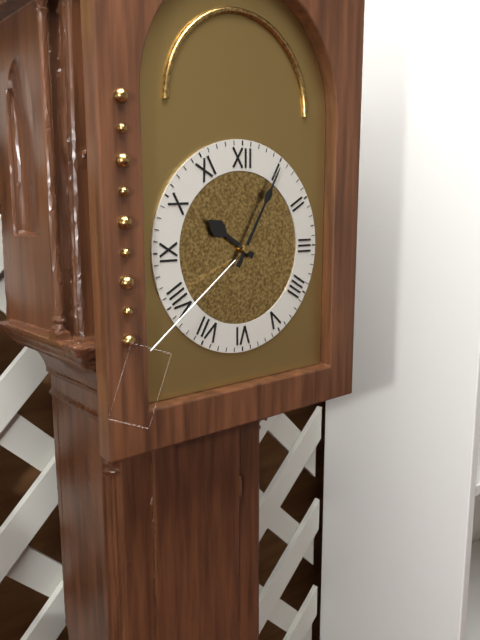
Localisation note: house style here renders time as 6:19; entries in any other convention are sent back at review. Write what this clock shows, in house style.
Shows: 10:05
